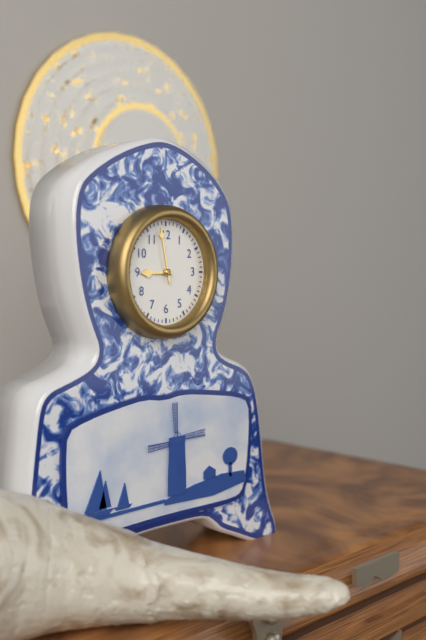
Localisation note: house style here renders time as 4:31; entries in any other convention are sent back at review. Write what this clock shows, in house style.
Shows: 8:58
